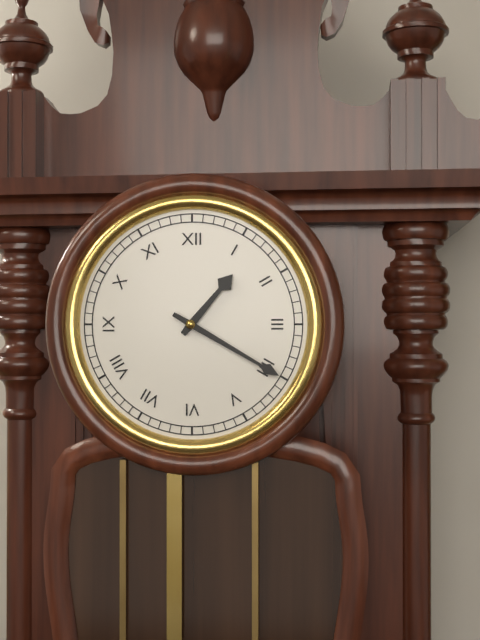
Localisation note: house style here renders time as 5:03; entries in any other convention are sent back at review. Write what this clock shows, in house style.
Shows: 1:20
